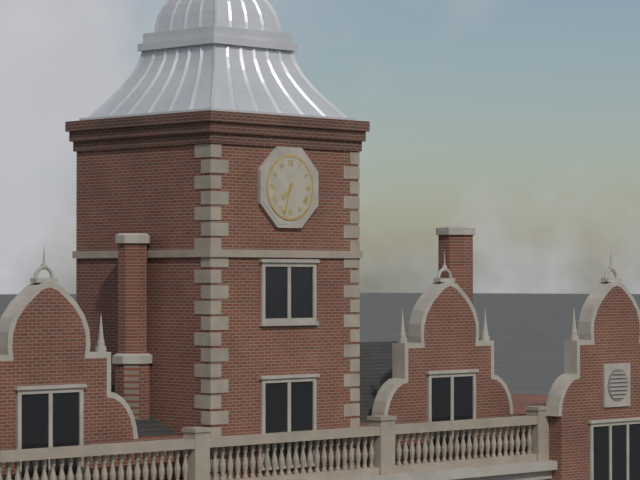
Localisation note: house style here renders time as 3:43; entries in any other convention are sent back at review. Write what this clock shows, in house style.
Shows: 7:33
